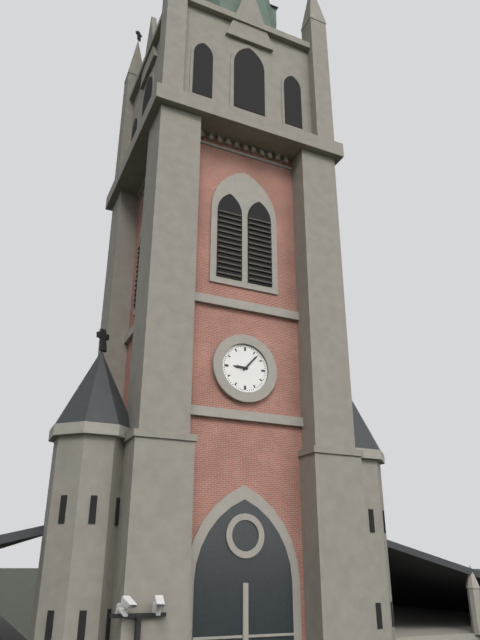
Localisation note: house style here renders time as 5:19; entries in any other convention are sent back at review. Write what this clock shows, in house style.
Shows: 9:07
